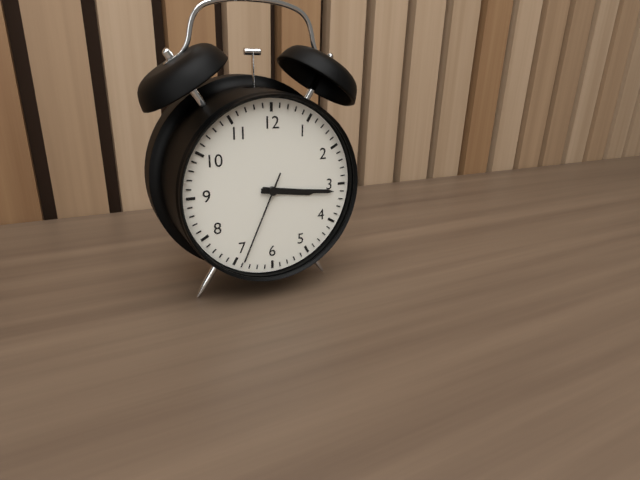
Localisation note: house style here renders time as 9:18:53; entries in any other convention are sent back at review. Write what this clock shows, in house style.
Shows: 3:16:34
